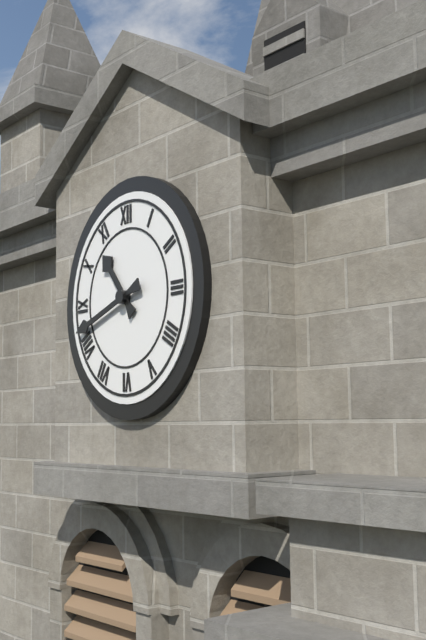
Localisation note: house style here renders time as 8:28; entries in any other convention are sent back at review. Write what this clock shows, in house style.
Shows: 10:42
